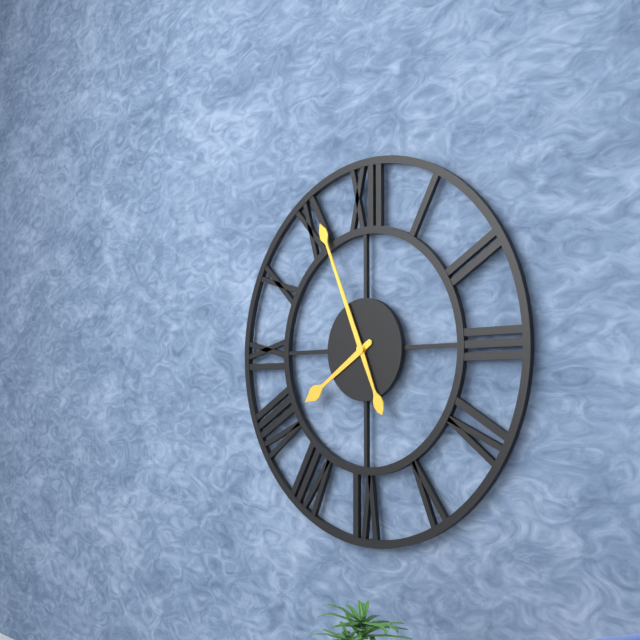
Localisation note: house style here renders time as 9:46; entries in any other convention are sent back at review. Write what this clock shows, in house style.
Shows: 7:56
